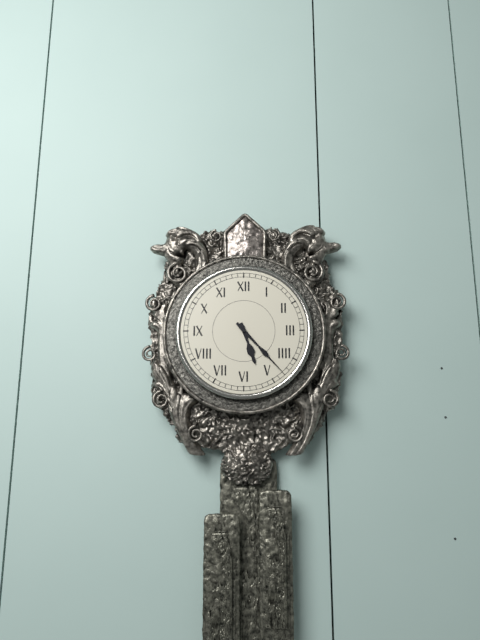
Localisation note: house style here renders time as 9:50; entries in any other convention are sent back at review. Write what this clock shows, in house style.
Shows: 5:23
